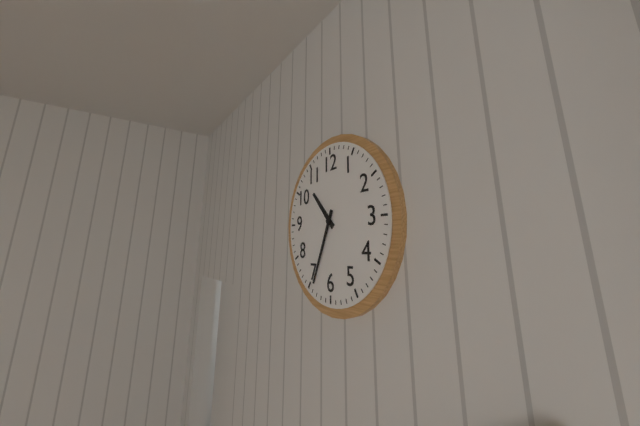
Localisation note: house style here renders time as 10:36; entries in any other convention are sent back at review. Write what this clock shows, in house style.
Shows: 10:34
